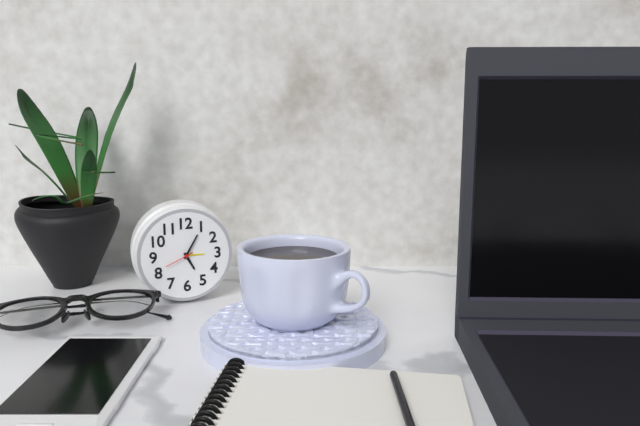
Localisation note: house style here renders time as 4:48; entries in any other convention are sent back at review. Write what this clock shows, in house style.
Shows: 5:05
